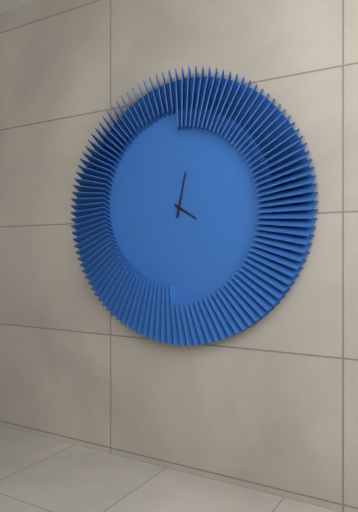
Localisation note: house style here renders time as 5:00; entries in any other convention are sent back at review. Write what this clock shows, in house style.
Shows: 4:02
